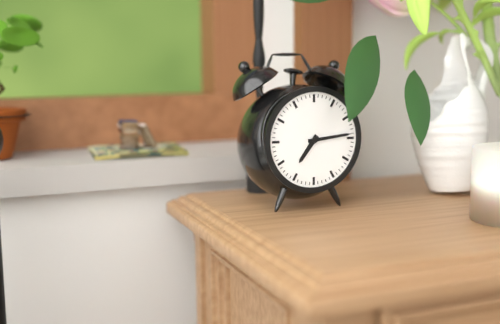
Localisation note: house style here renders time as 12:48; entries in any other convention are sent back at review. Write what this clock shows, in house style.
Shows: 7:14
